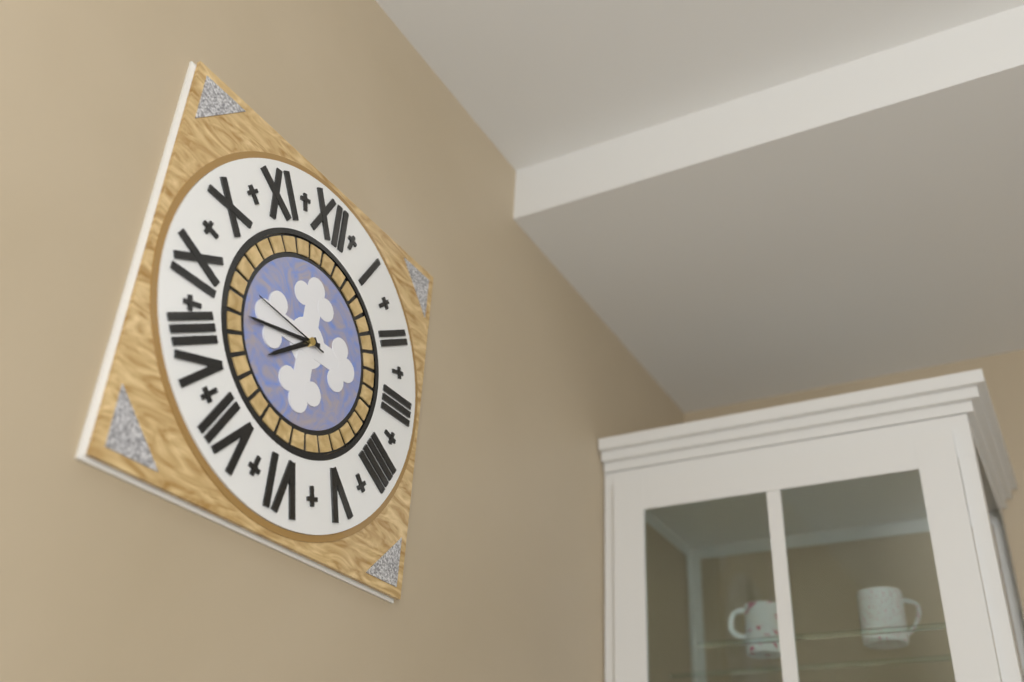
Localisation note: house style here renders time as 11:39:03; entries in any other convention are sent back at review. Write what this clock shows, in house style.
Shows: 7:43:46
